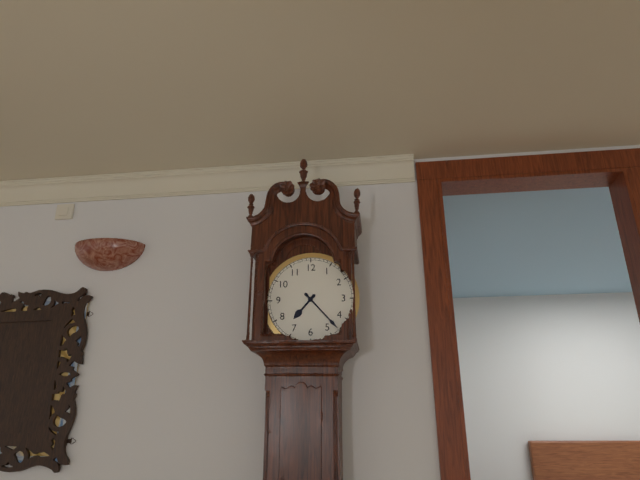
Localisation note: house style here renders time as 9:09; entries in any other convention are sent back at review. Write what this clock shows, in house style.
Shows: 7:23
